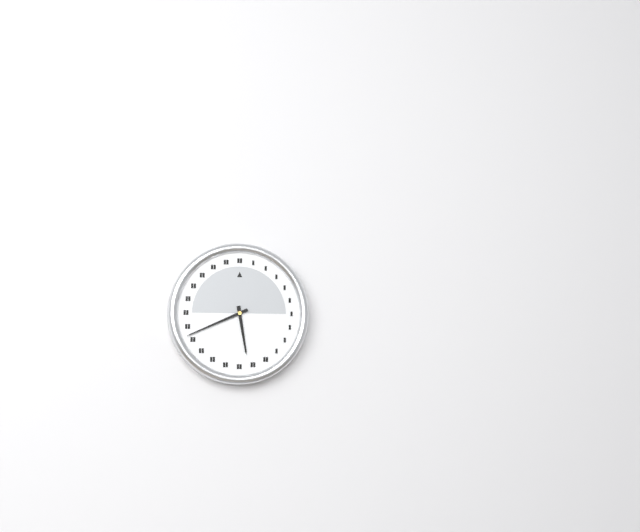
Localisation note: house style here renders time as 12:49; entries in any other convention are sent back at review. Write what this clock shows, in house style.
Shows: 5:41
